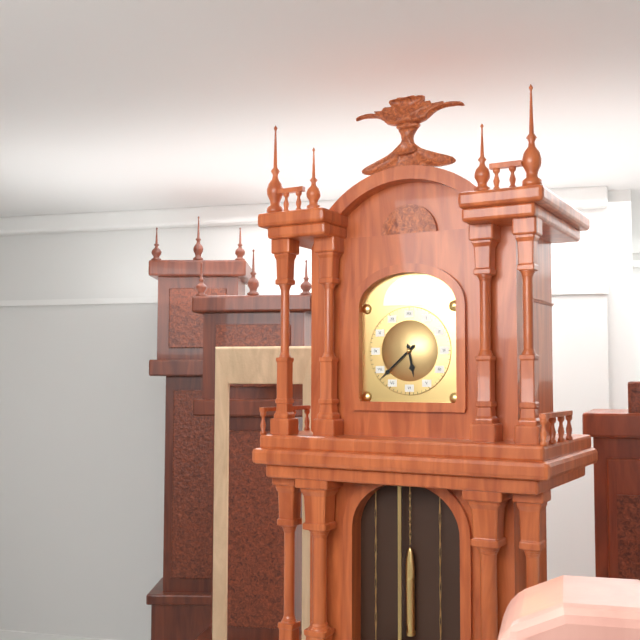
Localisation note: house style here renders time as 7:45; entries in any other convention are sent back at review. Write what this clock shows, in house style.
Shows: 5:38
